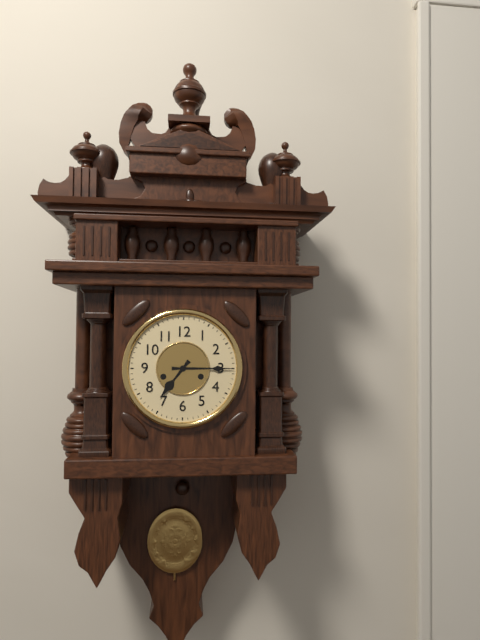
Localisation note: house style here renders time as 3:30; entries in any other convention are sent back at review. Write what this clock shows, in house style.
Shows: 7:15
